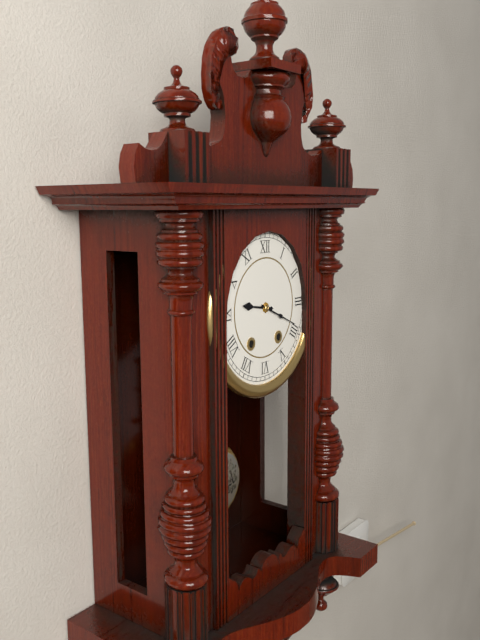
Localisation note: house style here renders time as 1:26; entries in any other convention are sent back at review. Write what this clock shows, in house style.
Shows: 9:19
